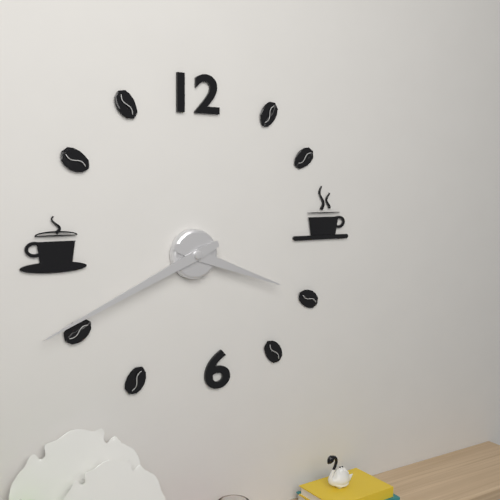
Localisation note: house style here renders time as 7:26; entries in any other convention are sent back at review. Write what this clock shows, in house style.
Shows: 3:41
